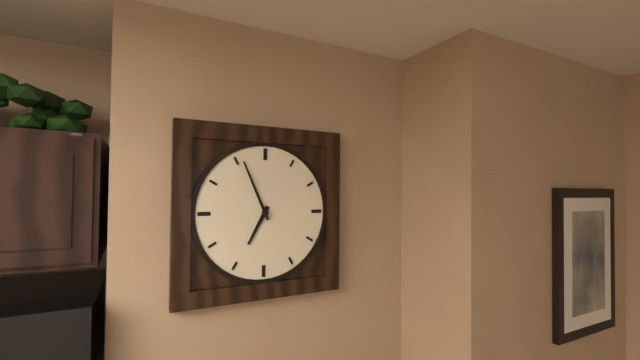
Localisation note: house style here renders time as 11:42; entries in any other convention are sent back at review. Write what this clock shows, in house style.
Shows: 6:56
